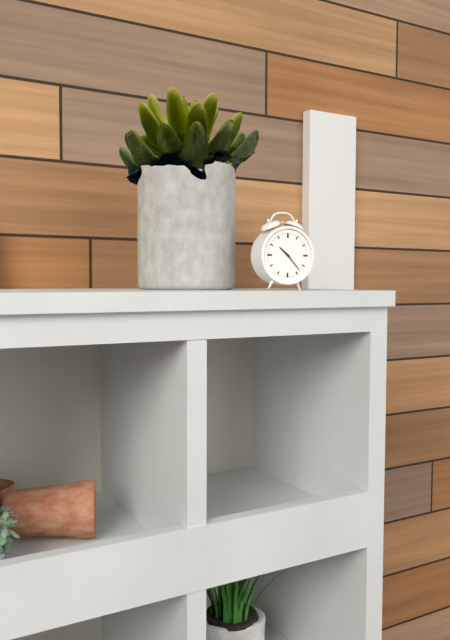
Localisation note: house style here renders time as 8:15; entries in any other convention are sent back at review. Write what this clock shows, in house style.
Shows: 10:23
